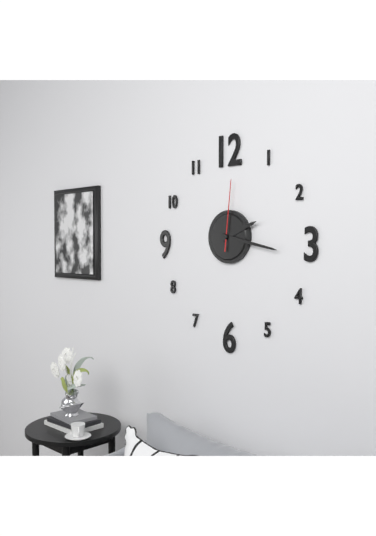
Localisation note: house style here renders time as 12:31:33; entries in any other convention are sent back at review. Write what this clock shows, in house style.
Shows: 2:17:01
